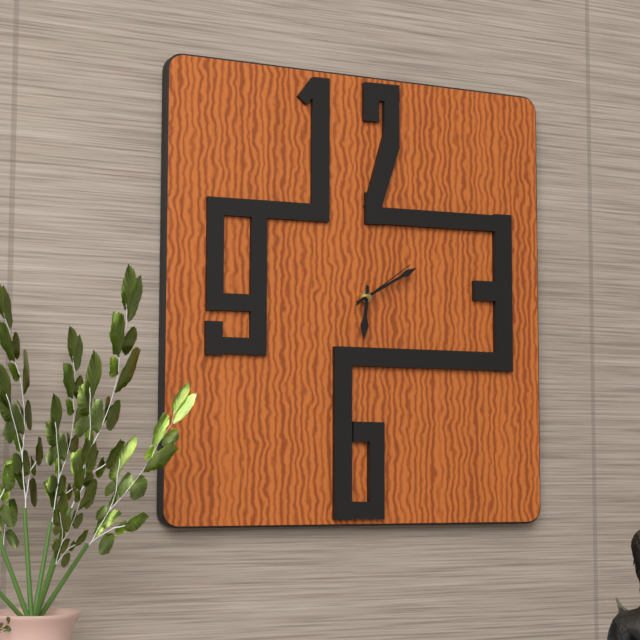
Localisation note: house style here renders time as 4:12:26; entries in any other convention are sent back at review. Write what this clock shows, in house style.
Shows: 6:10:09
